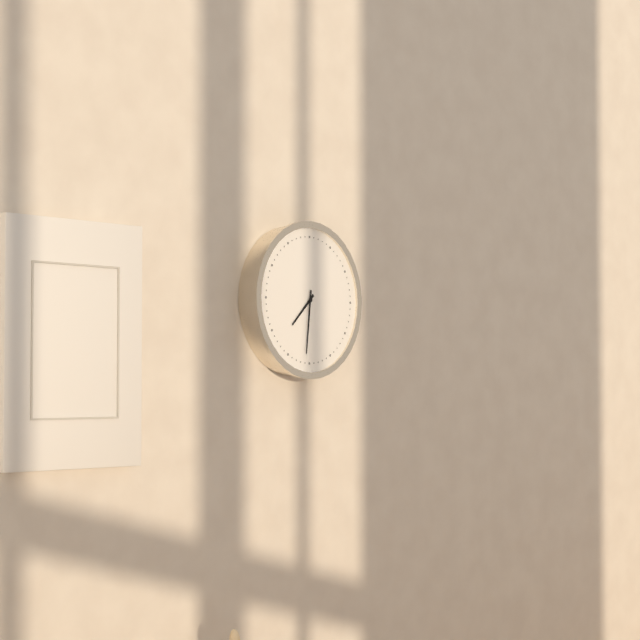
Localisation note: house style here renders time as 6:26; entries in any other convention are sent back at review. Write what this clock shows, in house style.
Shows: 7:31
